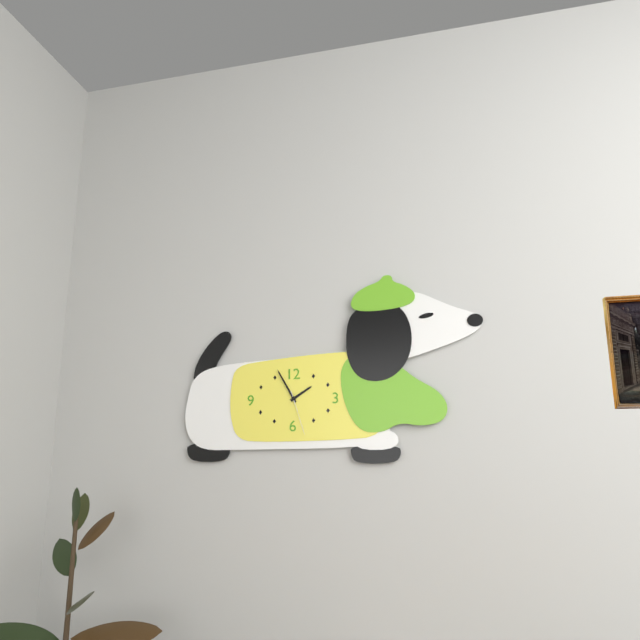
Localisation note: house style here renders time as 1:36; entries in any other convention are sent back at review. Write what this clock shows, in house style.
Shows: 1:55
